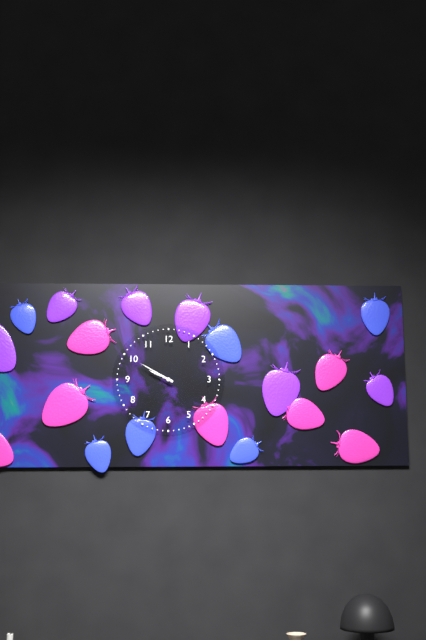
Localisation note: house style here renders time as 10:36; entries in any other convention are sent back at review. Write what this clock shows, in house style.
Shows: 9:50
